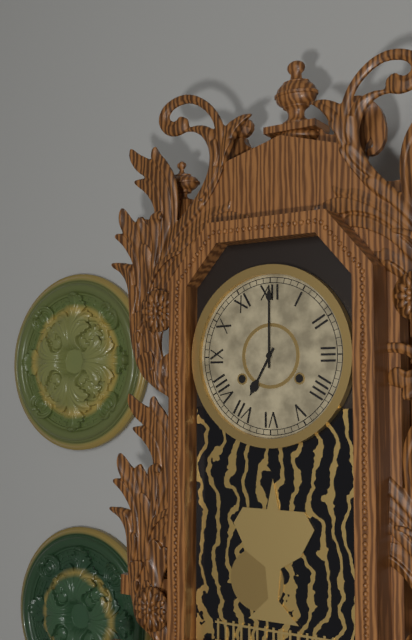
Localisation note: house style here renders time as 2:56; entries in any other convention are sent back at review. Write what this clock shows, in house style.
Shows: 7:00
